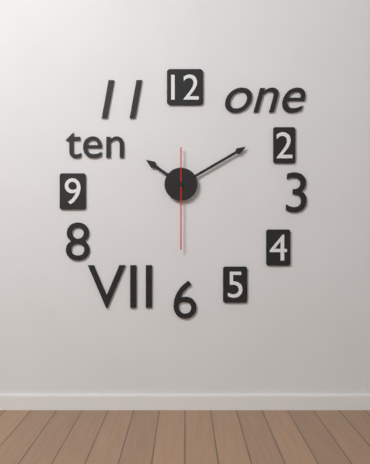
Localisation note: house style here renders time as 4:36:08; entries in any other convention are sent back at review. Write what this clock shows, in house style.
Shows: 10:10:30
